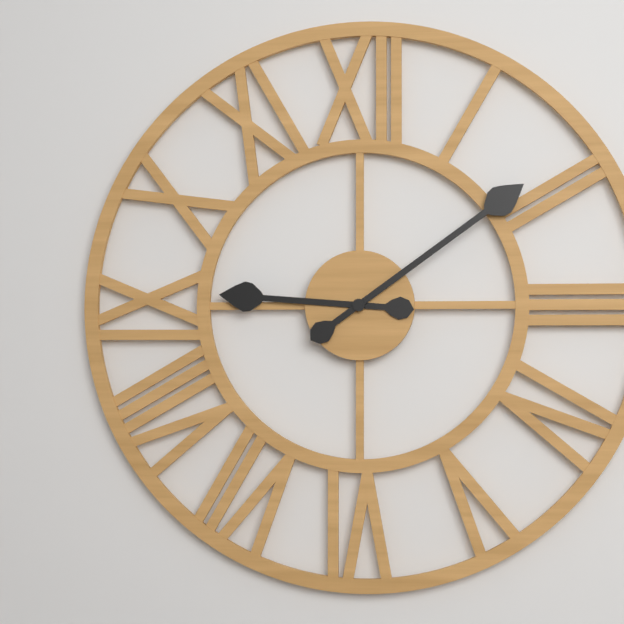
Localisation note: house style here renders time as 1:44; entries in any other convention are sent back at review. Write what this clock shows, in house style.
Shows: 9:09
